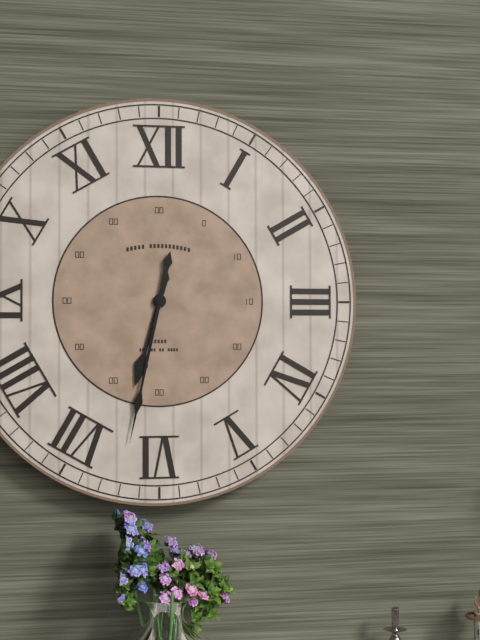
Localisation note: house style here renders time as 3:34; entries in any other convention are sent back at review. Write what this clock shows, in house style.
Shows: 6:32
